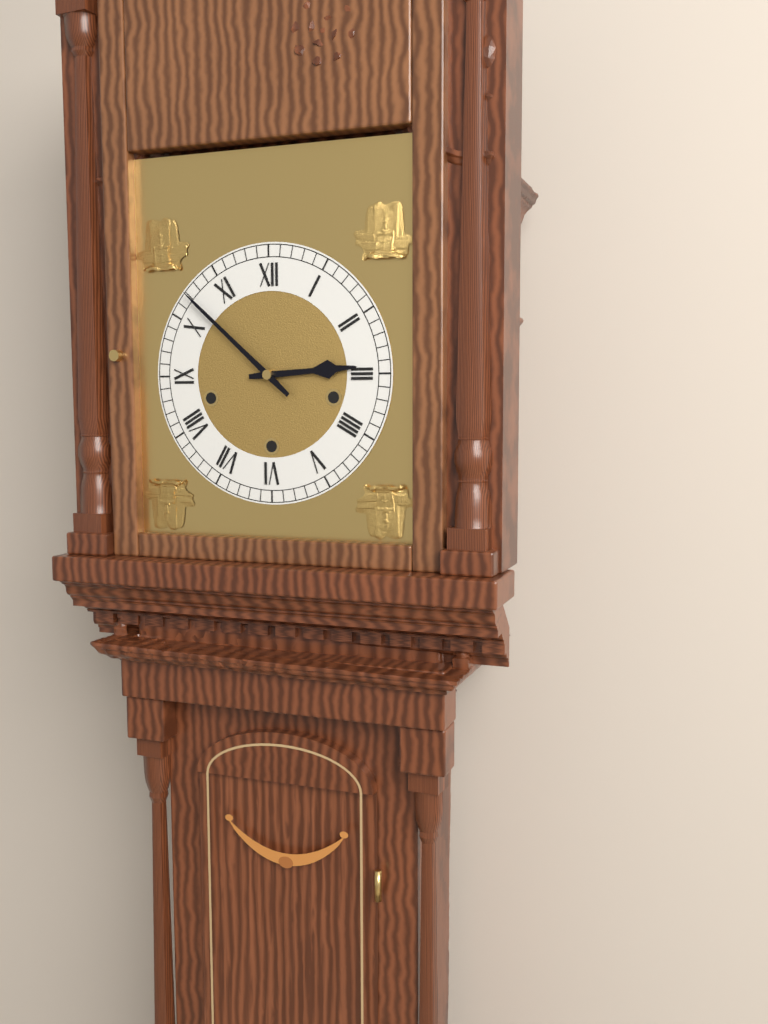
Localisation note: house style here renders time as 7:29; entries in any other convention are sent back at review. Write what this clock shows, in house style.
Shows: 2:52
